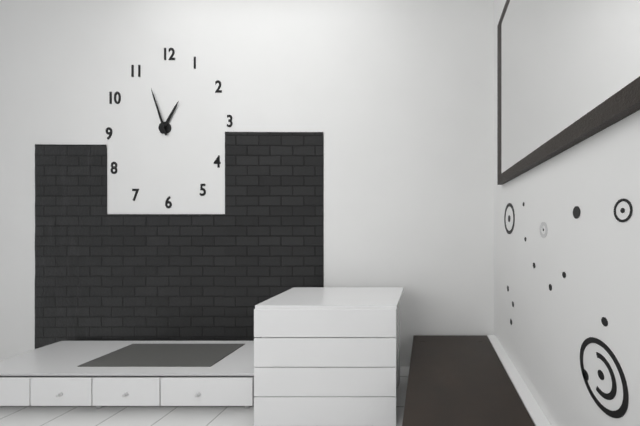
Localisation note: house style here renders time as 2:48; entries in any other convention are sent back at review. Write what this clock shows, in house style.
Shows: 12:57
